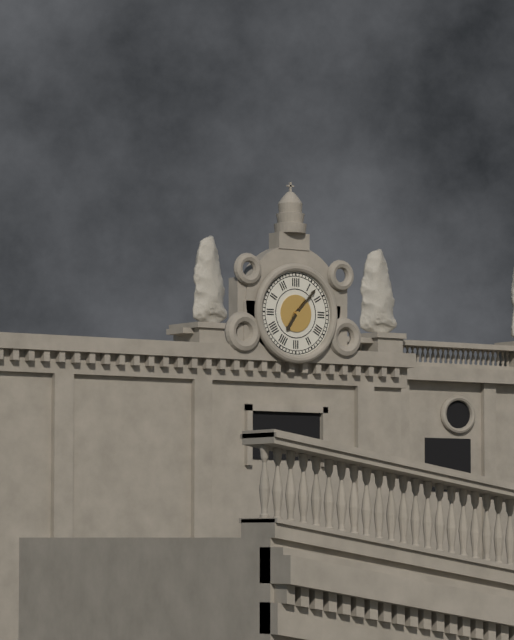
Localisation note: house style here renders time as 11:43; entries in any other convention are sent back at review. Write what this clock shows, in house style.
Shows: 7:07
